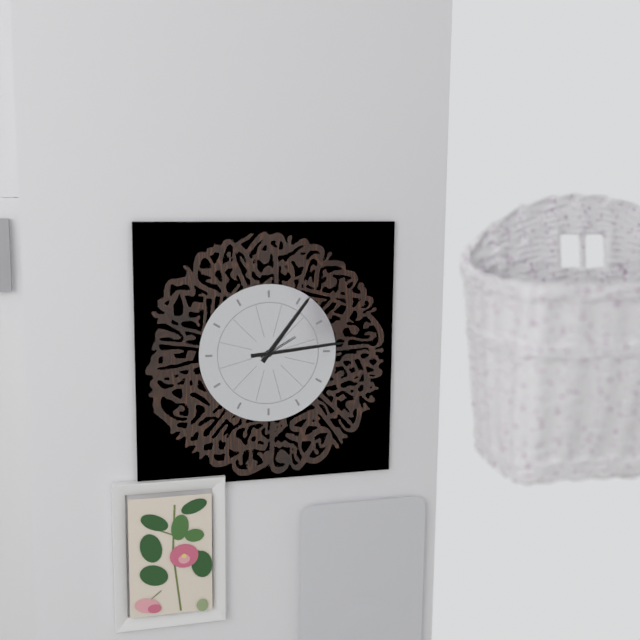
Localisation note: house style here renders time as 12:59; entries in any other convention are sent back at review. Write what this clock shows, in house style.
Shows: 1:14
